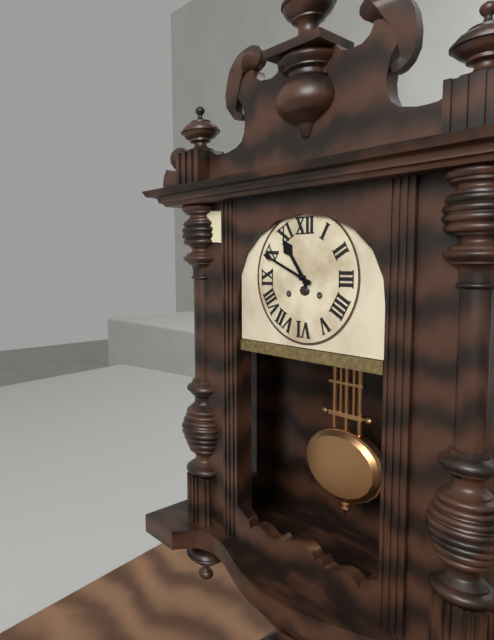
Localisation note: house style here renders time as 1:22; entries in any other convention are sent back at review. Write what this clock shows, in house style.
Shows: 10:49
